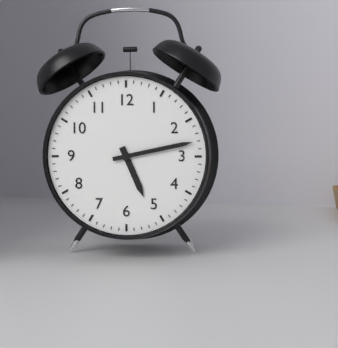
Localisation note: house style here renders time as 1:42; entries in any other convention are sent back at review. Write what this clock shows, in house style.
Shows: 5:13
